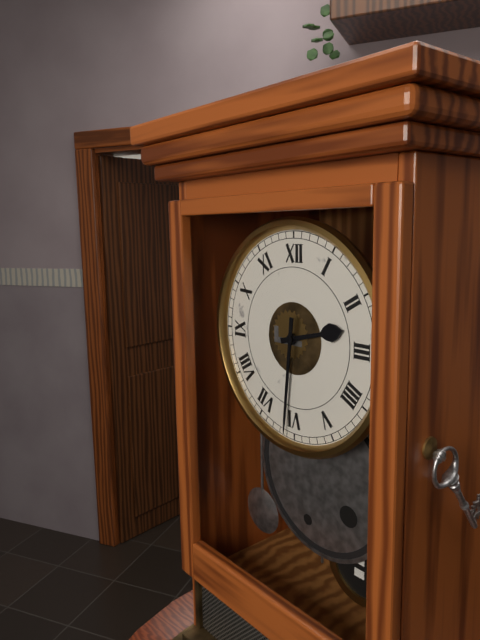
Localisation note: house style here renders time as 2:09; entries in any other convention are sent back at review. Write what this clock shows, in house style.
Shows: 2:31
